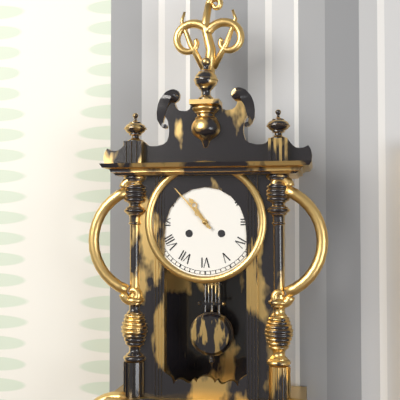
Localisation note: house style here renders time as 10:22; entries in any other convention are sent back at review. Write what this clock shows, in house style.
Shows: 10:53
